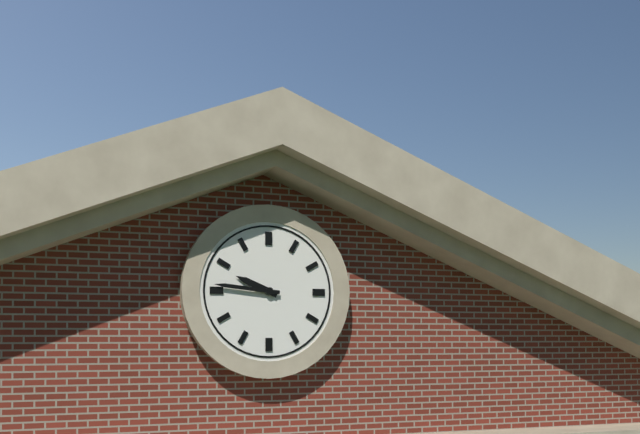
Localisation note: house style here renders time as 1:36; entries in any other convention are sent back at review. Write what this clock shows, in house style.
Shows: 9:46
